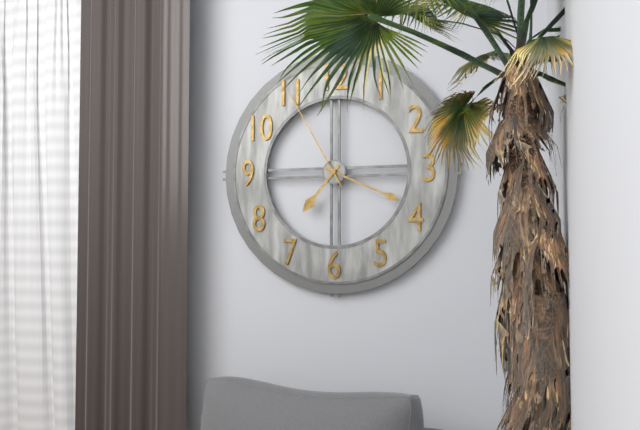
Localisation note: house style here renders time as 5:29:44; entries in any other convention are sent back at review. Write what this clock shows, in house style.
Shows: 7:19:55
